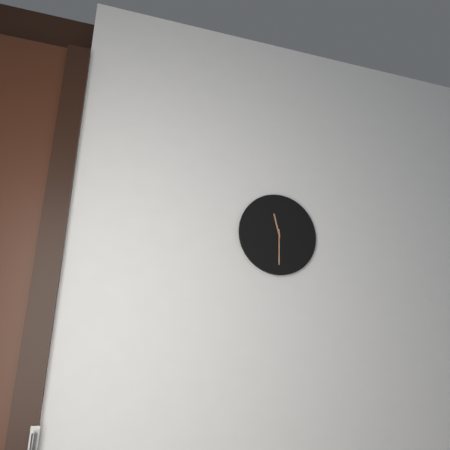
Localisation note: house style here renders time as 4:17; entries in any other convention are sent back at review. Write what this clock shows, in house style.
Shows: 11:30
